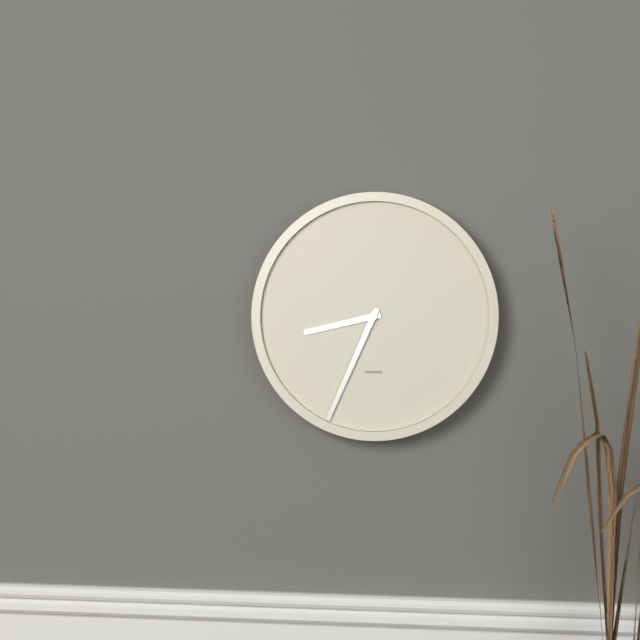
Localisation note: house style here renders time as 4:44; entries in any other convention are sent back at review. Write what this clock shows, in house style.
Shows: 8:34
